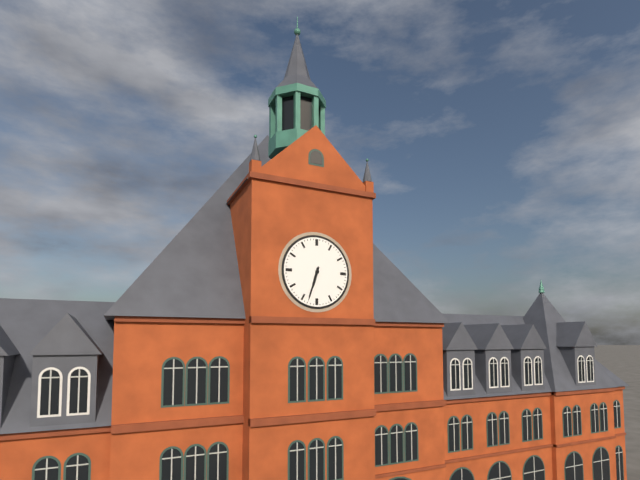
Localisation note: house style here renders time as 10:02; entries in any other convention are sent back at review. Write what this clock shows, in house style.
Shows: 6:33
